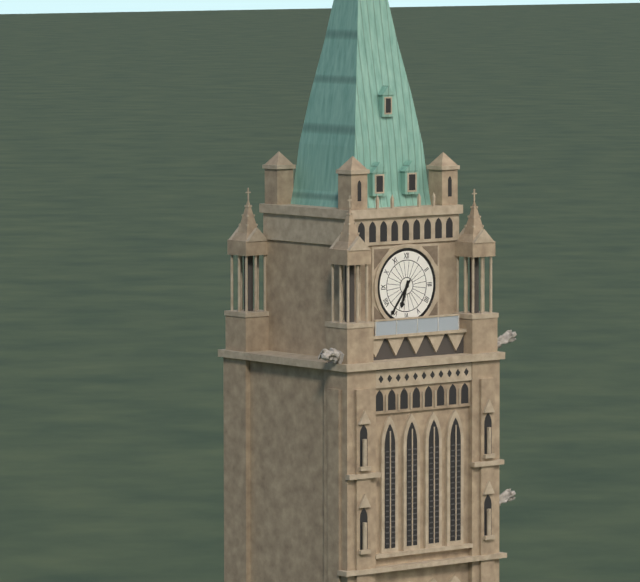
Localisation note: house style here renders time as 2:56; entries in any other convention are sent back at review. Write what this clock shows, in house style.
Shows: 6:36
